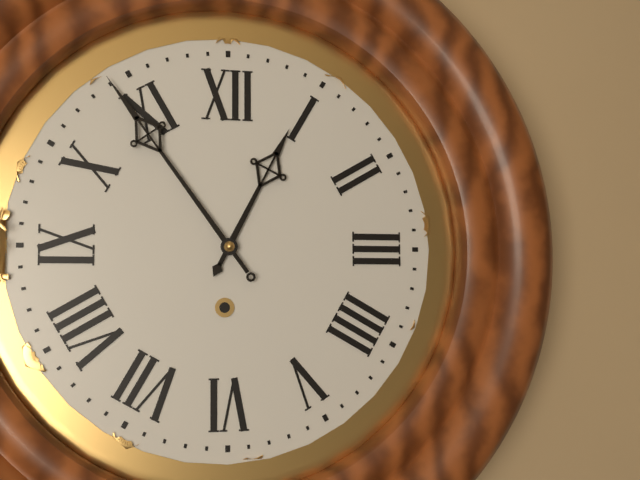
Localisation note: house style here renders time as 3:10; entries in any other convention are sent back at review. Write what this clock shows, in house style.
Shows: 12:54
